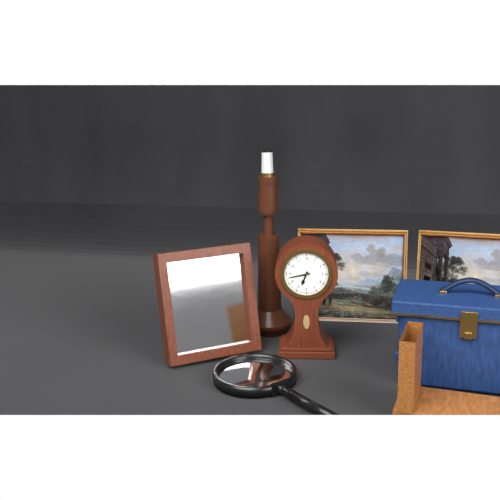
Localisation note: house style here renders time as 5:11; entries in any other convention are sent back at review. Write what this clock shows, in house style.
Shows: 6:43
